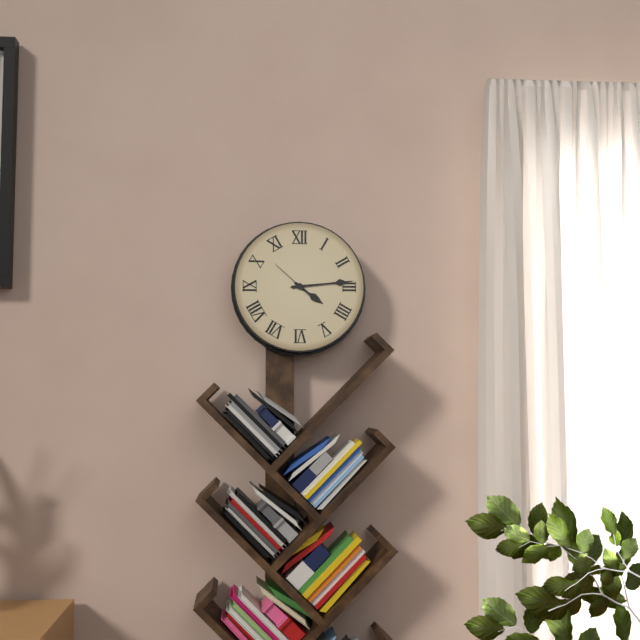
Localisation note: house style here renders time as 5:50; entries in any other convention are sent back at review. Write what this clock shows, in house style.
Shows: 4:14
